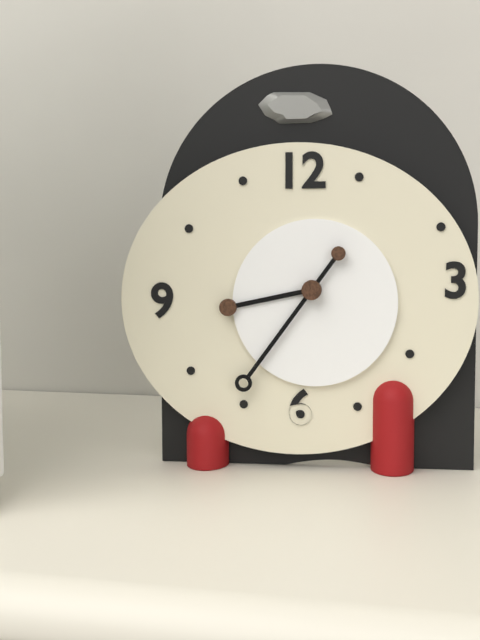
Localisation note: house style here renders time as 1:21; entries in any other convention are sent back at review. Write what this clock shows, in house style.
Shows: 8:36
